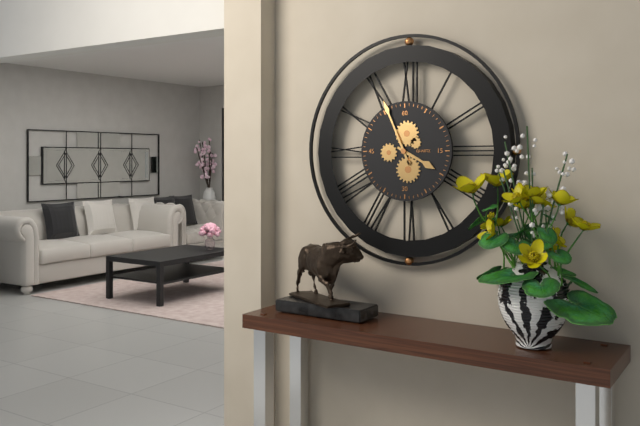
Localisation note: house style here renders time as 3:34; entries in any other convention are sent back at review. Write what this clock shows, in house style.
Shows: 3:56
